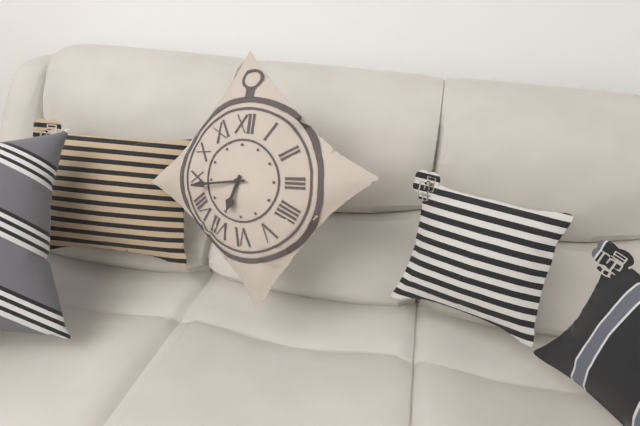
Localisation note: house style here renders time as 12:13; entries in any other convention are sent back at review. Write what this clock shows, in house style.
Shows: 6:44
